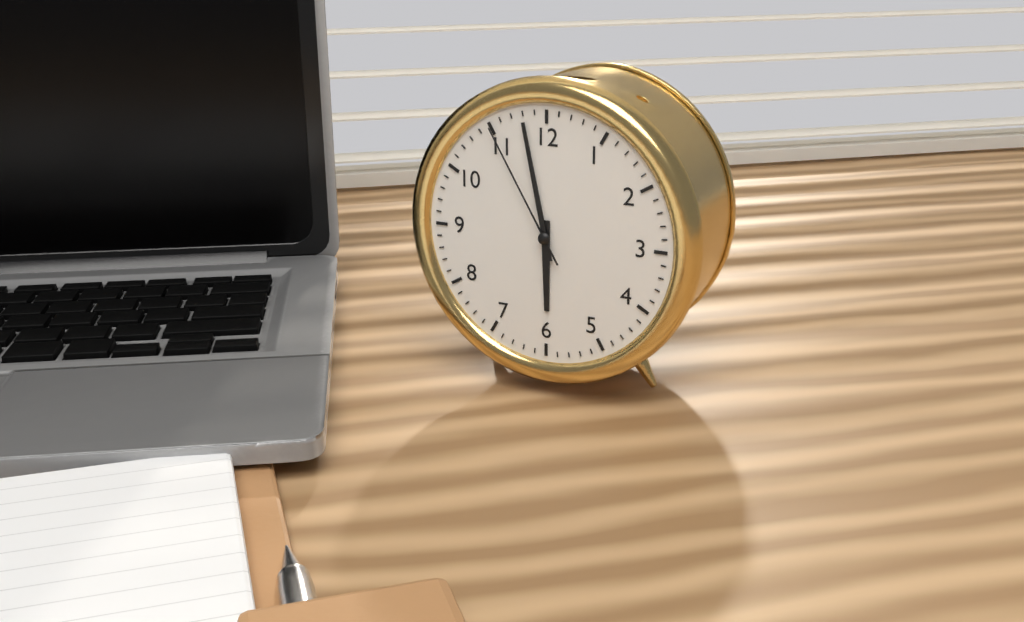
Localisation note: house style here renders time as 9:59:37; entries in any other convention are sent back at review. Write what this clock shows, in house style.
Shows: 5:58:55
